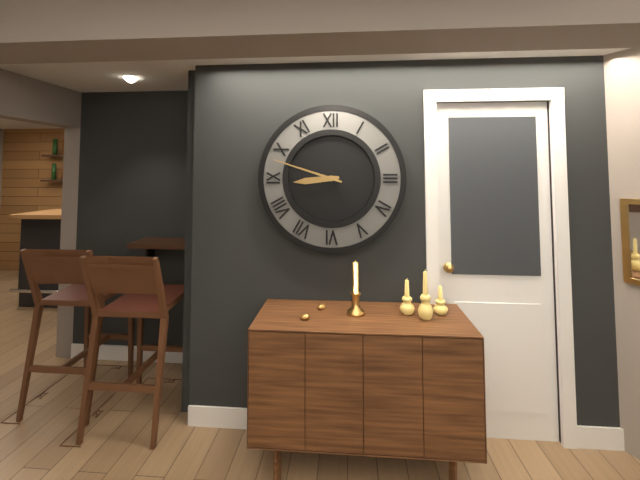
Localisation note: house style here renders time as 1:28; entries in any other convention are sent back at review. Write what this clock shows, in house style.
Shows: 8:48
